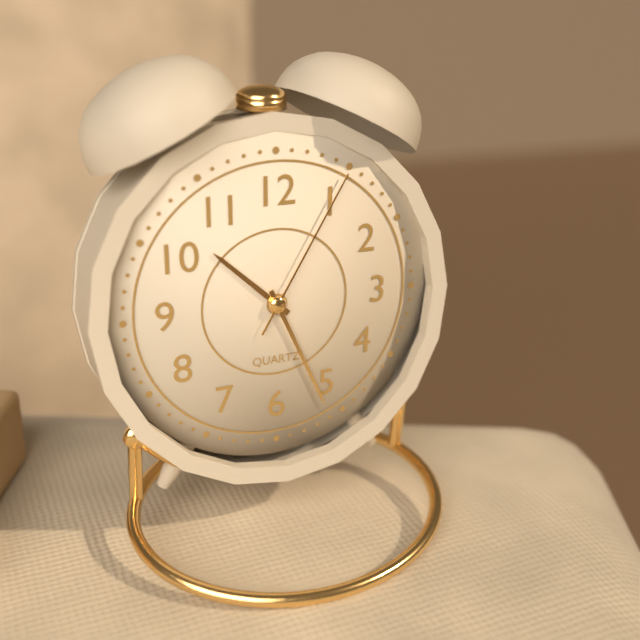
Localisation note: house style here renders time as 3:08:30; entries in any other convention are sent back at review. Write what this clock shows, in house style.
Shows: 10:26:05
